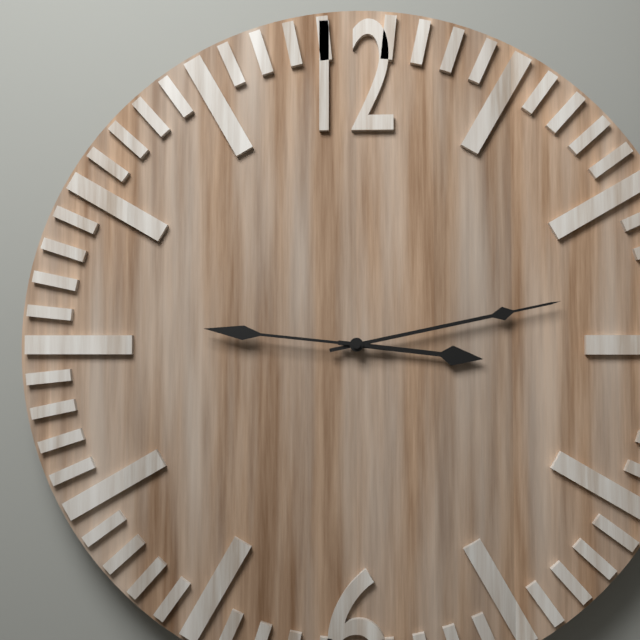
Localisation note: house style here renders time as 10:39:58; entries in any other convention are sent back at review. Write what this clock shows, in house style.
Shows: 3:13:46
